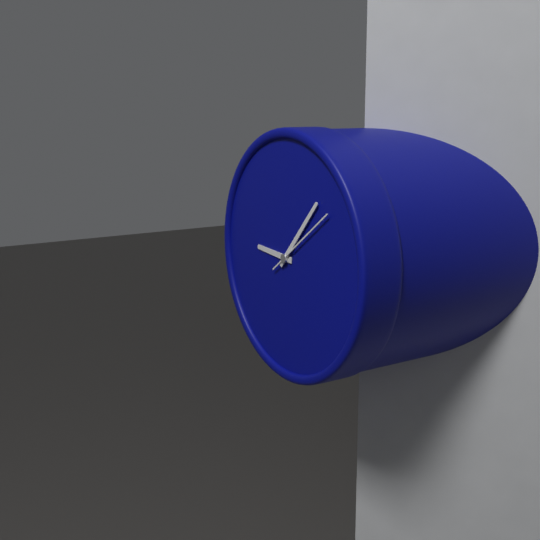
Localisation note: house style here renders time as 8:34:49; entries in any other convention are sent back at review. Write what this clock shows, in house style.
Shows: 9:07:09
